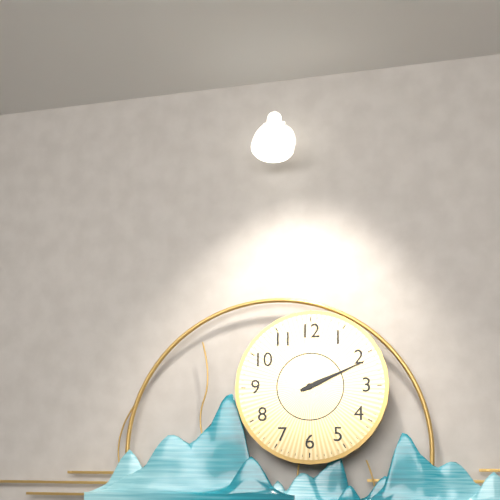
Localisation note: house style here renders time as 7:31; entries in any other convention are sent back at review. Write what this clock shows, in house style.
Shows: 2:11
